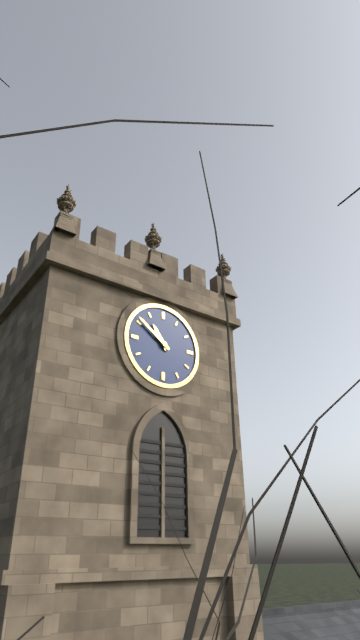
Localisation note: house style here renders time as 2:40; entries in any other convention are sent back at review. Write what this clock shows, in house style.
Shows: 10:51
